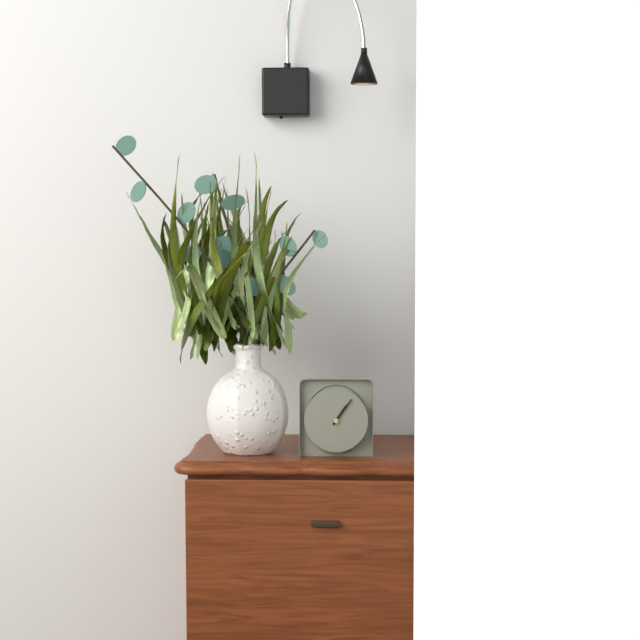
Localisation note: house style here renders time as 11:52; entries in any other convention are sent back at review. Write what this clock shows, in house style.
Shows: 1:06
